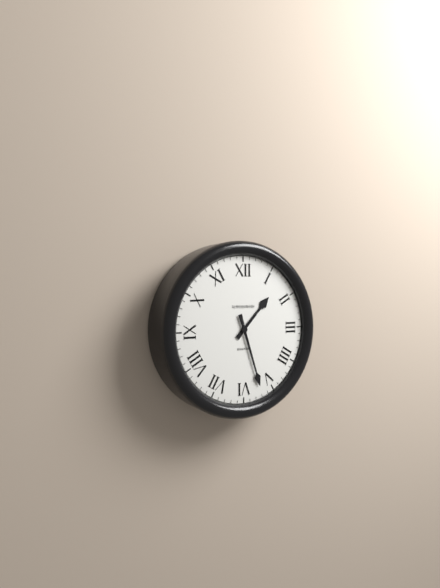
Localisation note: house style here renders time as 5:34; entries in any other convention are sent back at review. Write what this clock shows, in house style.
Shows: 1:27
